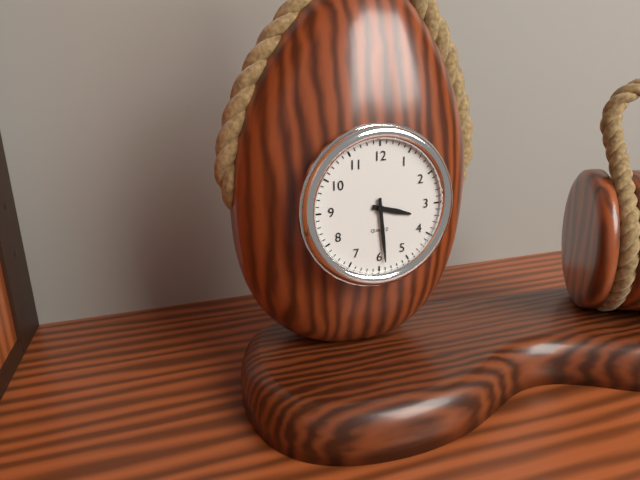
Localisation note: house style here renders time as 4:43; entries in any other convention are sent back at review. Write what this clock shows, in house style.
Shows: 3:29
